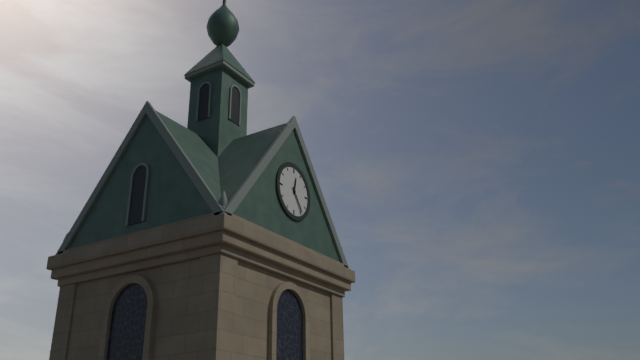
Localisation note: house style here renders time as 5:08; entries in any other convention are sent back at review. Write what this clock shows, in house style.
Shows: 12:24
